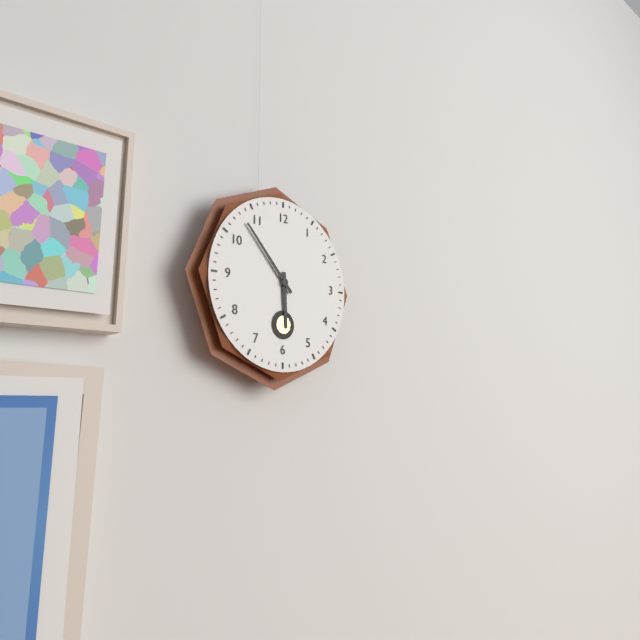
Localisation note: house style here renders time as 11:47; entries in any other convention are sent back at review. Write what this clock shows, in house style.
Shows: 5:53
